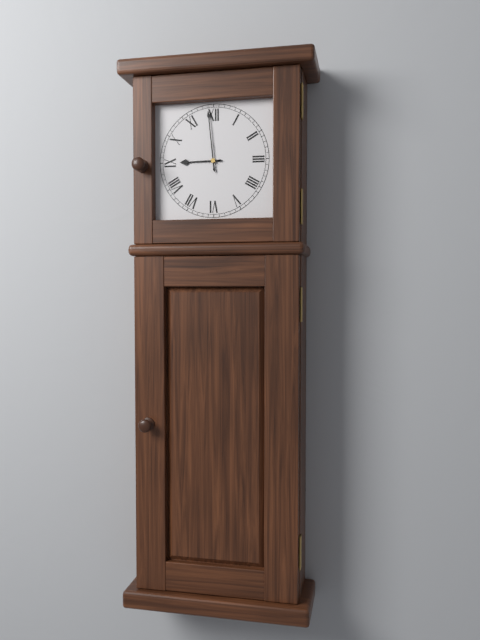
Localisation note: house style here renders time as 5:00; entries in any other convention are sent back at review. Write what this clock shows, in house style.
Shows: 8:59
